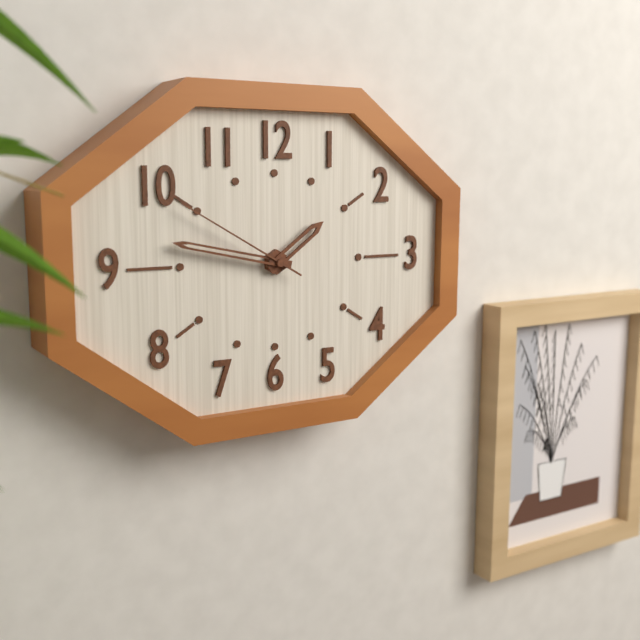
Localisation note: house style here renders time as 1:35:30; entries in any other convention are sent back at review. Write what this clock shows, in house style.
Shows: 1:47:50
